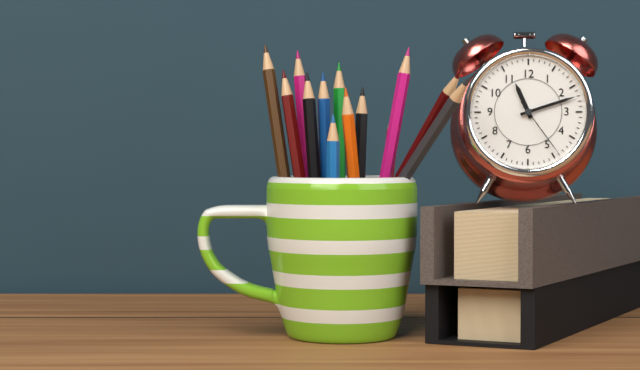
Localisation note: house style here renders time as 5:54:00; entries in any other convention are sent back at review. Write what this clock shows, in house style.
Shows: 11:12:24
